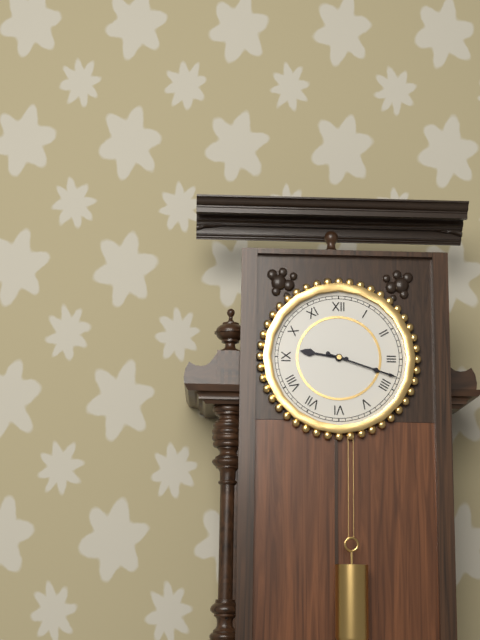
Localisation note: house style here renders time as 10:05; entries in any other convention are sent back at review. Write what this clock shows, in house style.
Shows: 9:18
